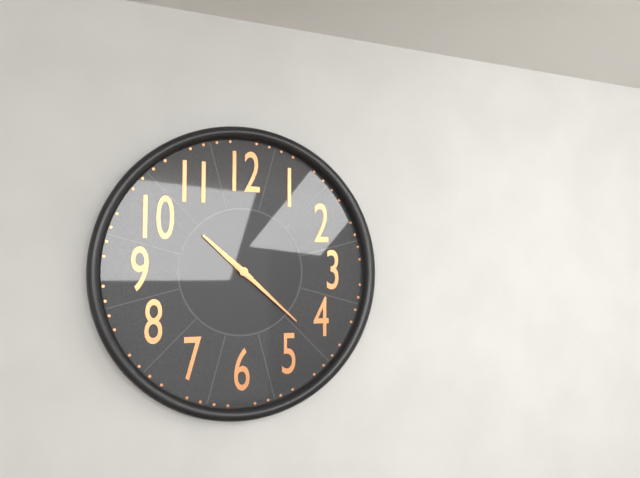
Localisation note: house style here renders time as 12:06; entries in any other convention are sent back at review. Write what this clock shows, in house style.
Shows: 10:22
